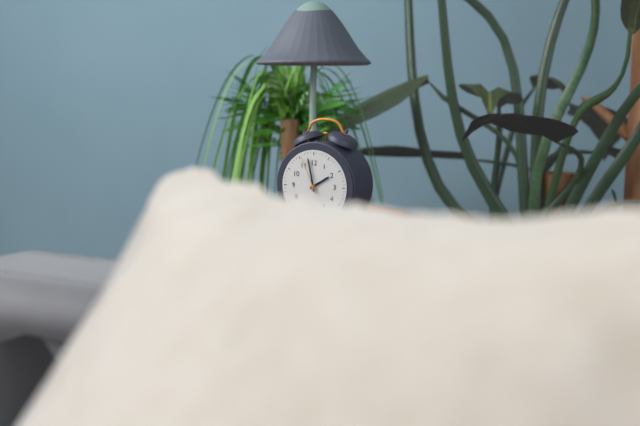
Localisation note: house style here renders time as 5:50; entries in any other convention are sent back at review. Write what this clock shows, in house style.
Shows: 1:58
